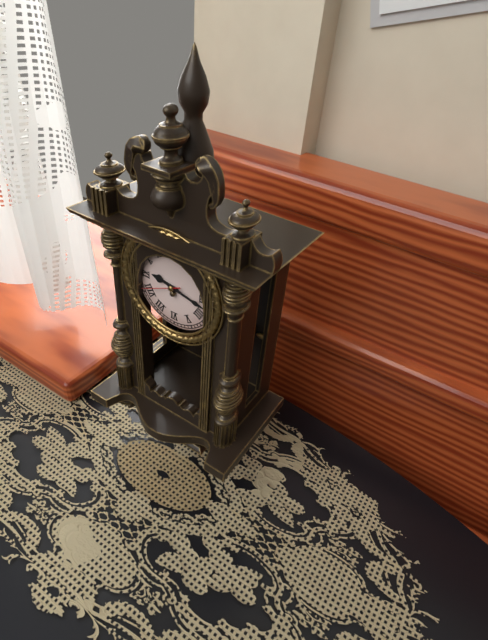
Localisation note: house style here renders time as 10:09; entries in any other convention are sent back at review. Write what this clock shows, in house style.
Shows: 9:17
